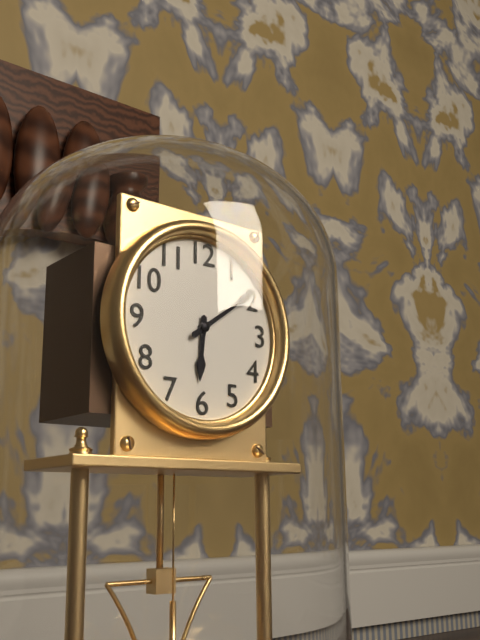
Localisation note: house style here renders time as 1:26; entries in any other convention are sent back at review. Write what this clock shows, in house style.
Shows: 6:09
